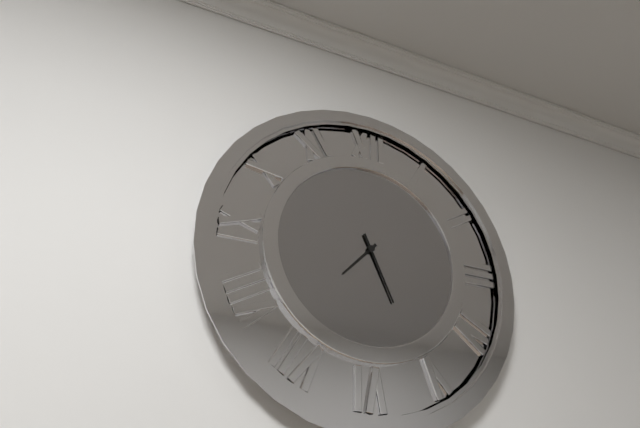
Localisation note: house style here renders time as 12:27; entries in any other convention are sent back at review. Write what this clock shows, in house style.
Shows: 7:26
